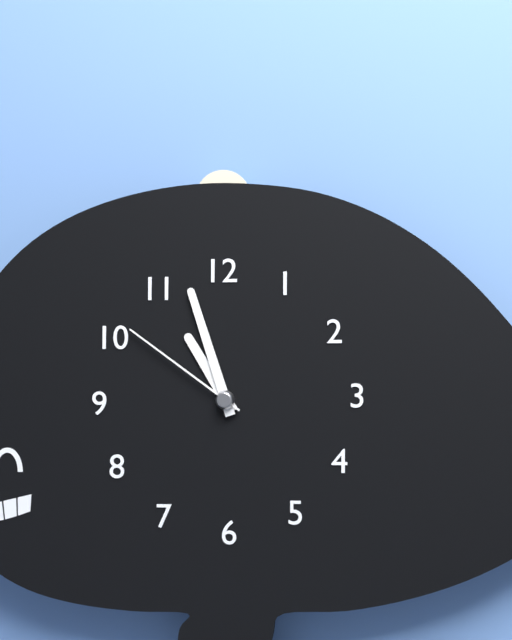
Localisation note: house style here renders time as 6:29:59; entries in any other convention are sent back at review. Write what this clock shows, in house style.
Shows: 10:57:51
